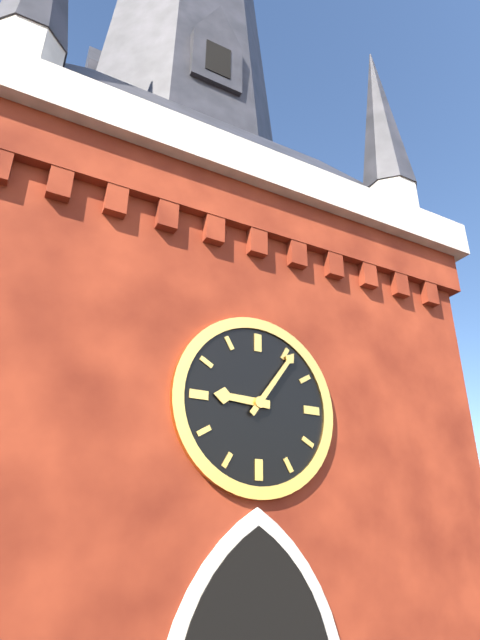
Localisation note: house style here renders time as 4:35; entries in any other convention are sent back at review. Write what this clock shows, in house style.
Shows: 9:06
